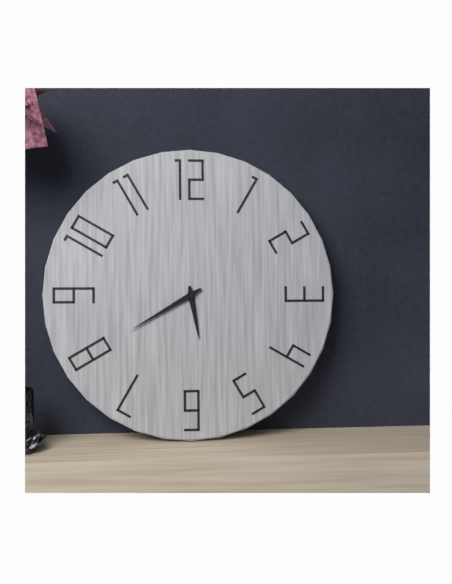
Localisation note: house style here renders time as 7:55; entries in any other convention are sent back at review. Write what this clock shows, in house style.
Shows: 5:40
